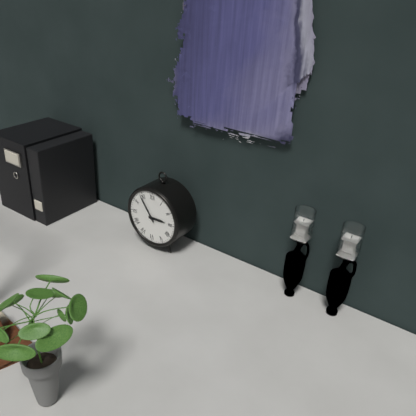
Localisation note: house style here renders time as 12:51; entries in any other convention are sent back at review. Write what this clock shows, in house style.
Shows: 2:54
